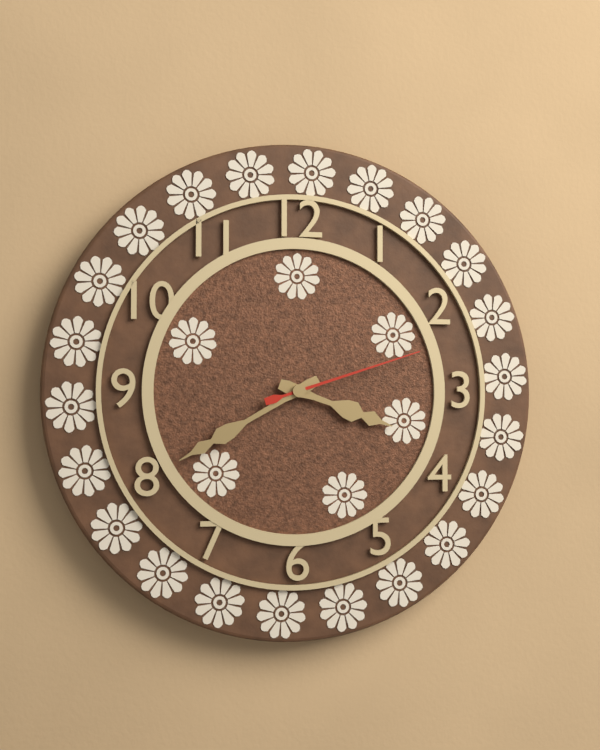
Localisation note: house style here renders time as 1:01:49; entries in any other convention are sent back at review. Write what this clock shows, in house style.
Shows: 3:40:12
